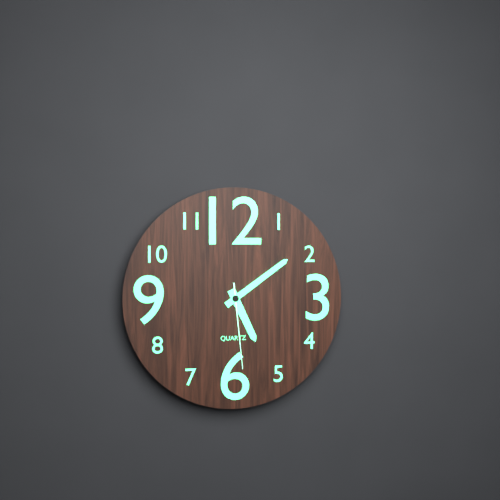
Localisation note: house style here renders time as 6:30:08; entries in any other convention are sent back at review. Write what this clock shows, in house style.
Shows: 5:09:29
